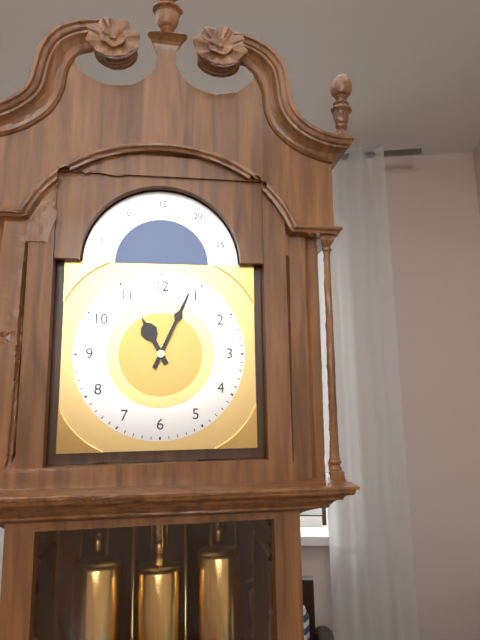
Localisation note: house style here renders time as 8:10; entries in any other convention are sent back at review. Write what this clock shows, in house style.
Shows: 11:04
